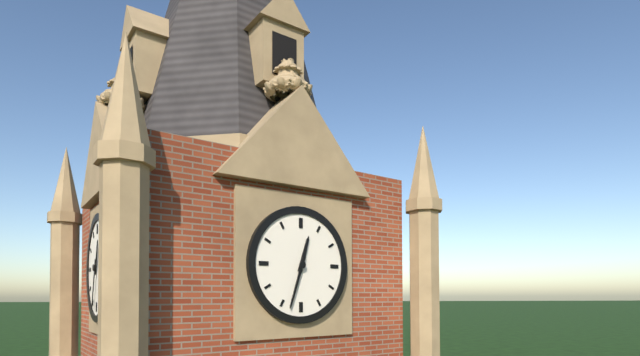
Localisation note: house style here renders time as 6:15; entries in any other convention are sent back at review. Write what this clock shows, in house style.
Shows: 12:33
